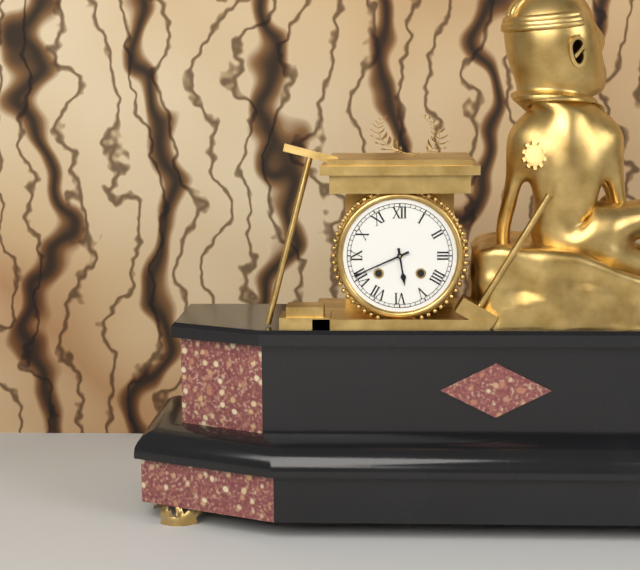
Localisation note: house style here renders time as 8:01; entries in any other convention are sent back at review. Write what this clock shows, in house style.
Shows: 5:41
